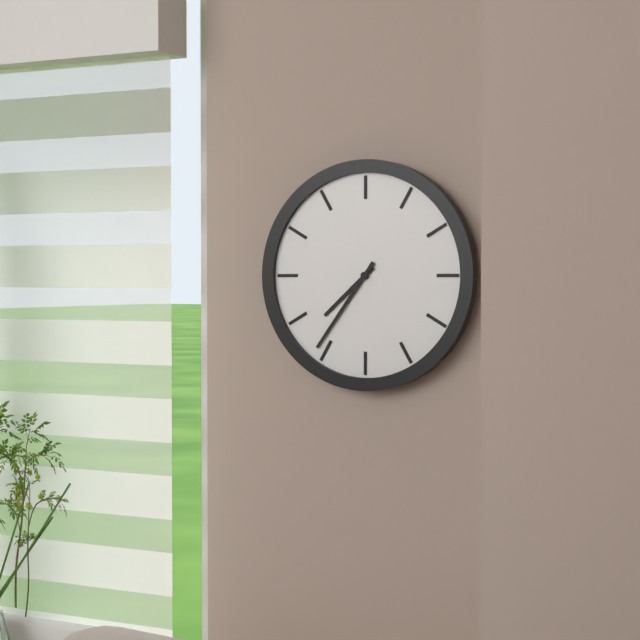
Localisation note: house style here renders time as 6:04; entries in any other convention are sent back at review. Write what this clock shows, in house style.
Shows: 7:36
